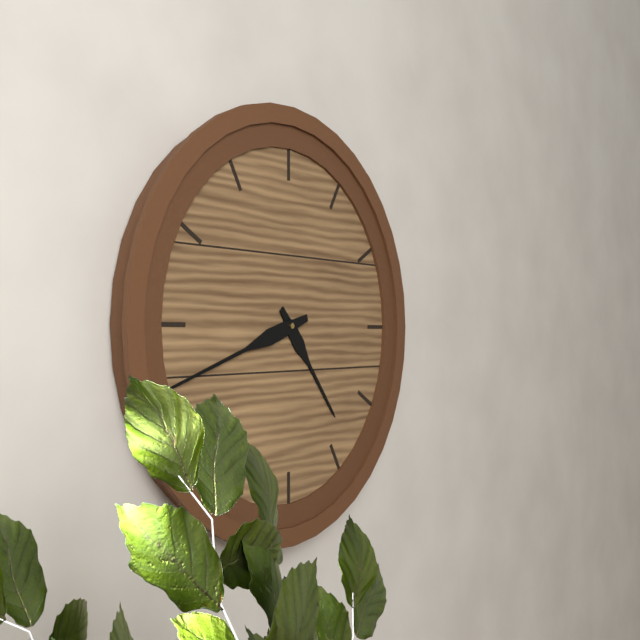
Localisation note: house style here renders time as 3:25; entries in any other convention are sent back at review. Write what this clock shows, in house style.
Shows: 4:42
